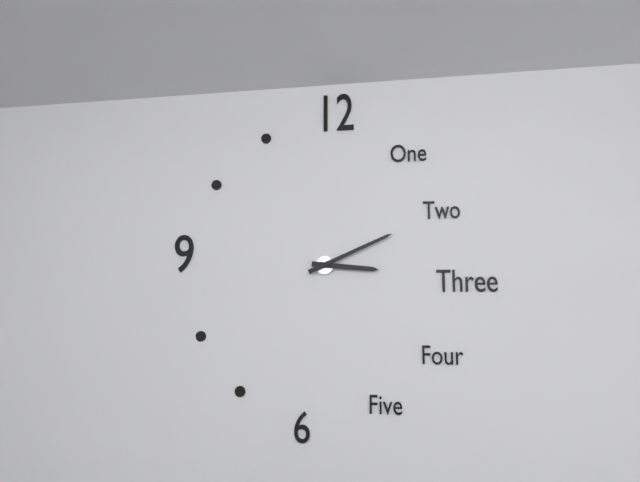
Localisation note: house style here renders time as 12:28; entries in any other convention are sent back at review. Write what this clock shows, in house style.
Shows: 3:11
